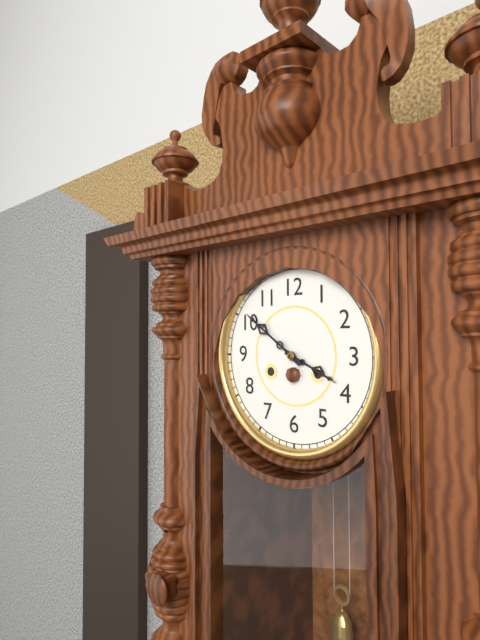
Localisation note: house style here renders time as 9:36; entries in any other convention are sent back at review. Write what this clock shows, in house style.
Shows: 3:51
